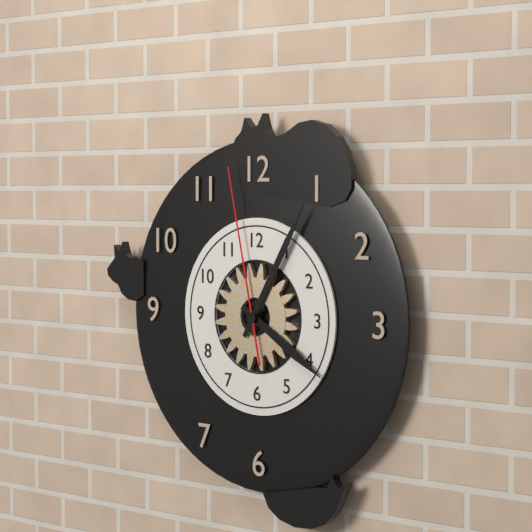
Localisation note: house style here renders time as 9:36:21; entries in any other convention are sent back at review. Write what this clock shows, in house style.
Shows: 4:05:58
